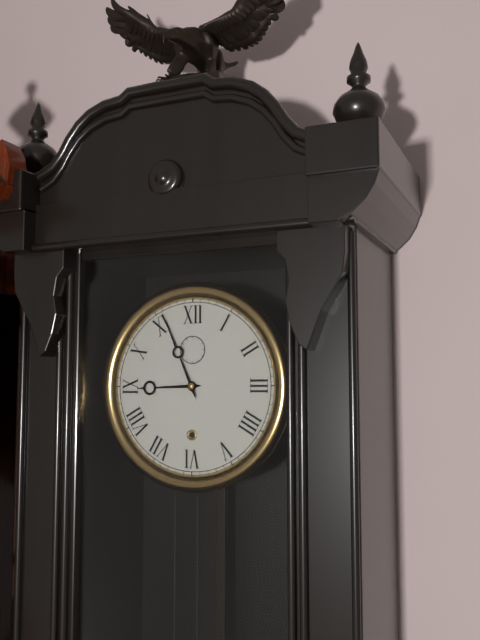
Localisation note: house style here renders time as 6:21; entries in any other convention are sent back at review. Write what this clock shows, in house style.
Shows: 8:56
